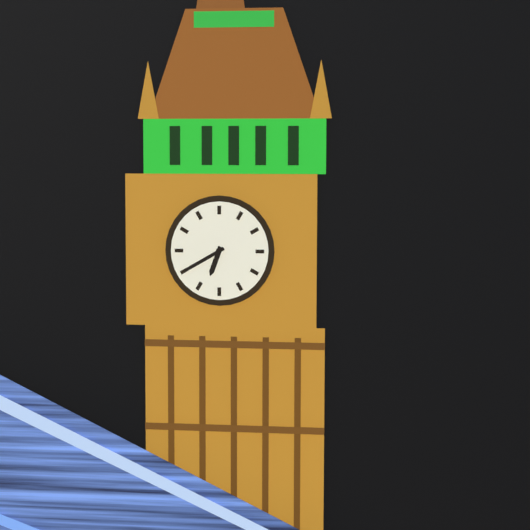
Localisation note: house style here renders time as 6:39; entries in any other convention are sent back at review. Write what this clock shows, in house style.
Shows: 6:40
